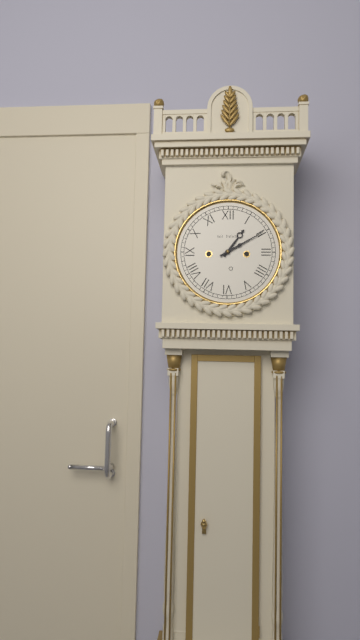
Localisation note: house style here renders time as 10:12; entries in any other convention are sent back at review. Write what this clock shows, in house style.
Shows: 1:10
